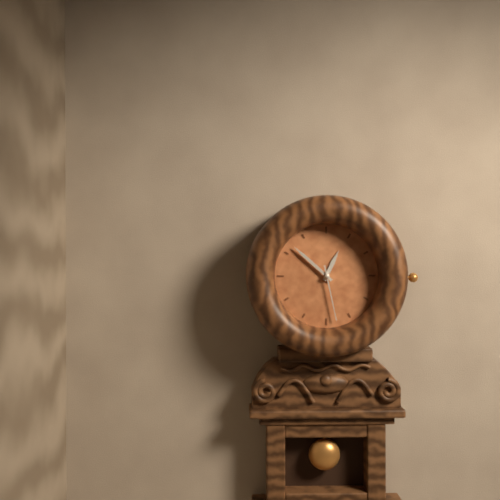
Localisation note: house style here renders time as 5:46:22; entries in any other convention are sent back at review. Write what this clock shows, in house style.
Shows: 12:52:28
